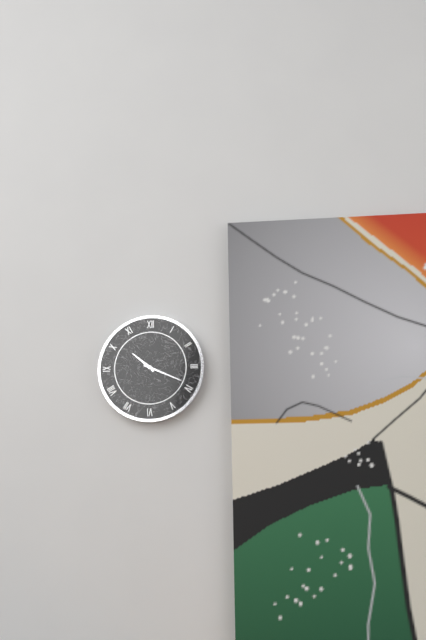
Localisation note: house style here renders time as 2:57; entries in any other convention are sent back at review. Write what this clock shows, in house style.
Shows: 10:19
